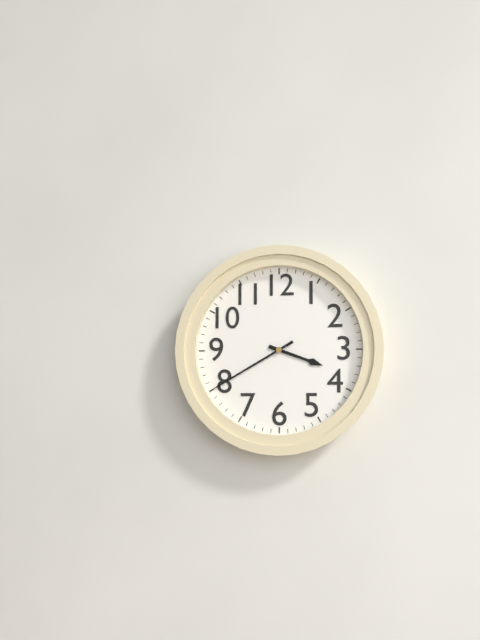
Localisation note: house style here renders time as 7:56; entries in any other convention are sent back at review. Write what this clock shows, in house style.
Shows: 3:40
